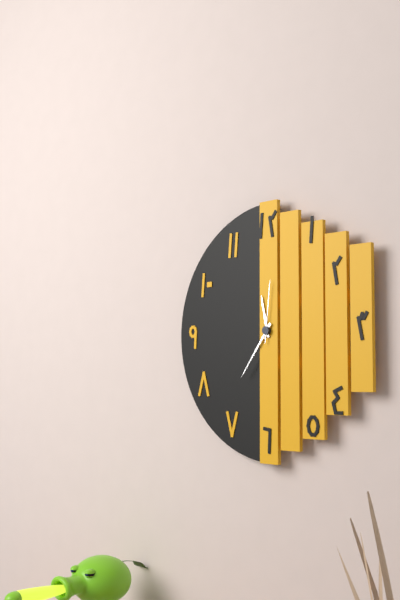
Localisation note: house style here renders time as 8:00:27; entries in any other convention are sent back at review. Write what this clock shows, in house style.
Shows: 11:36:01
